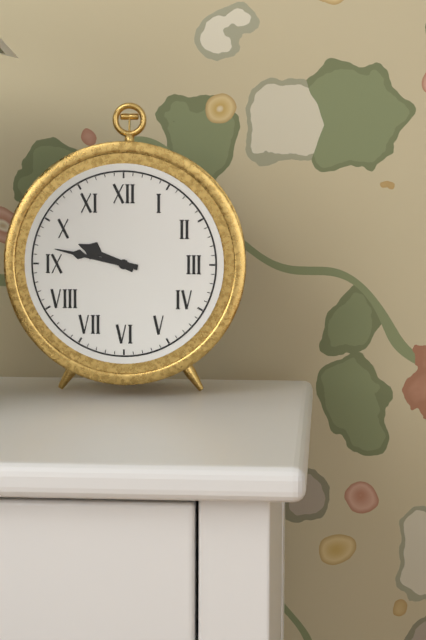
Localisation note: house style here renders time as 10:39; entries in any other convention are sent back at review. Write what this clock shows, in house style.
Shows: 9:47
